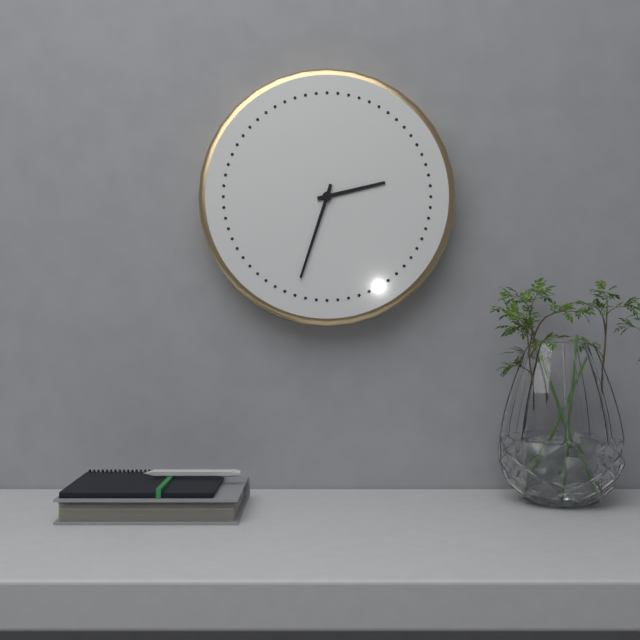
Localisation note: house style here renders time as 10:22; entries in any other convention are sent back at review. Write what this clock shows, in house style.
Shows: 2:33
